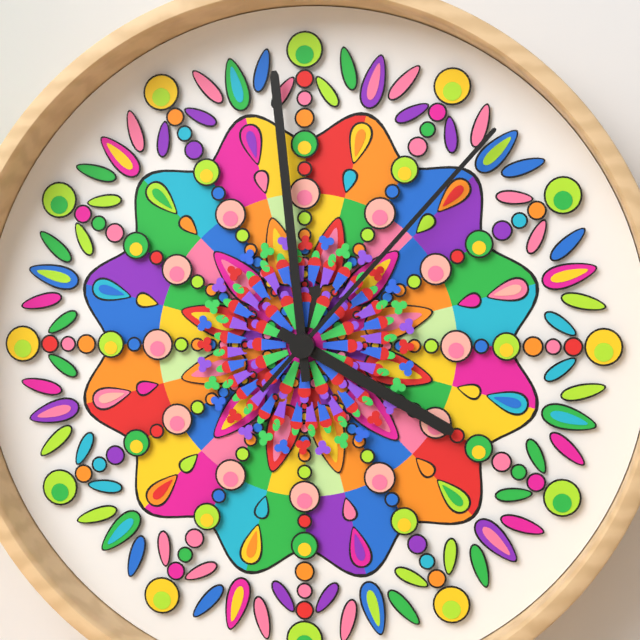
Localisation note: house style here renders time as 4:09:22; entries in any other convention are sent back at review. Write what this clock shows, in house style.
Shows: 3:59:07
